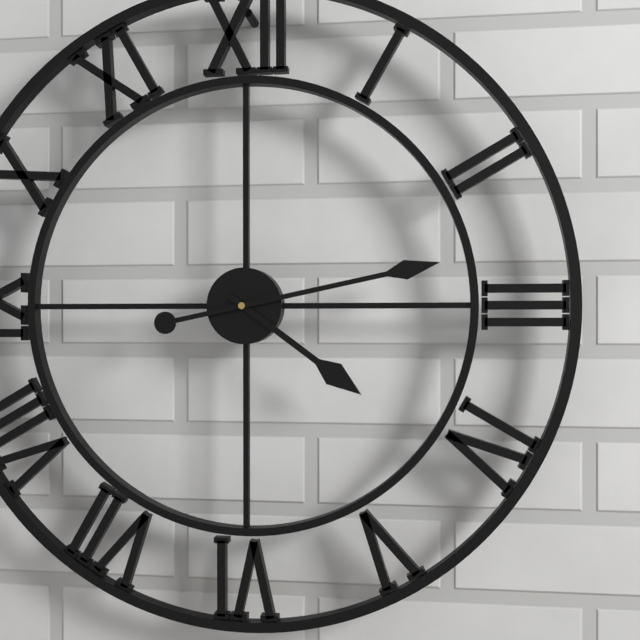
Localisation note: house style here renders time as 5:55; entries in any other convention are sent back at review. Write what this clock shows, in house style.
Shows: 4:13
